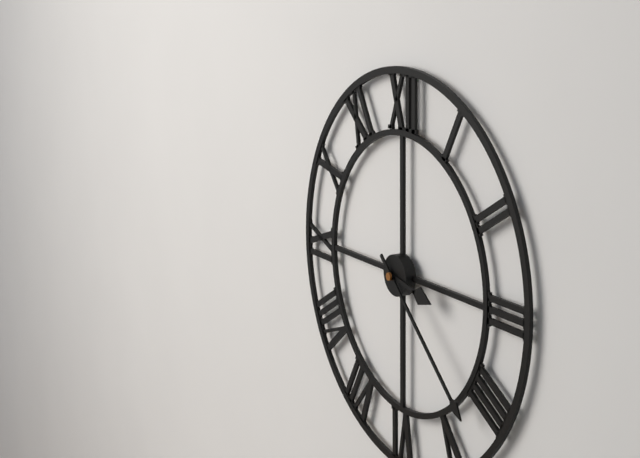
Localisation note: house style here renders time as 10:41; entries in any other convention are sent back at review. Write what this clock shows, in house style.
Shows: 3:22
